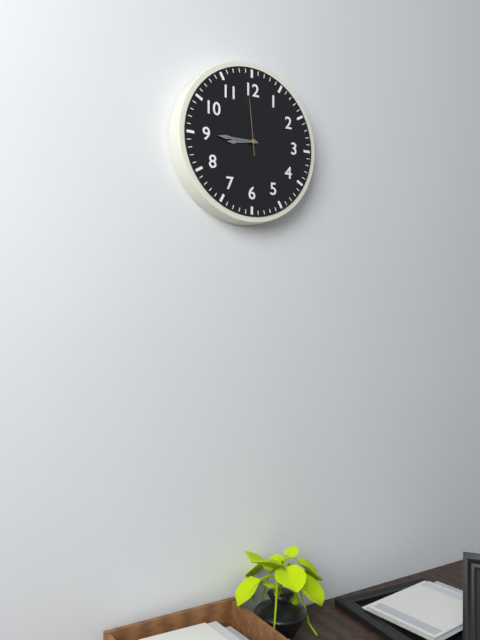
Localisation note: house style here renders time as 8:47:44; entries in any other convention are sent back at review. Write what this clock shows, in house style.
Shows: 8:45:59
